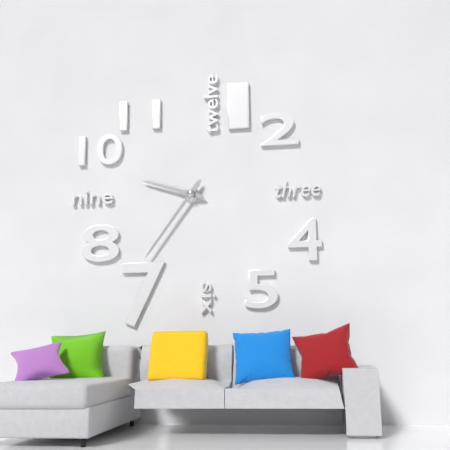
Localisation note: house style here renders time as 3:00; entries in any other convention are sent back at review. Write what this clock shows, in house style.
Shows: 9:36
